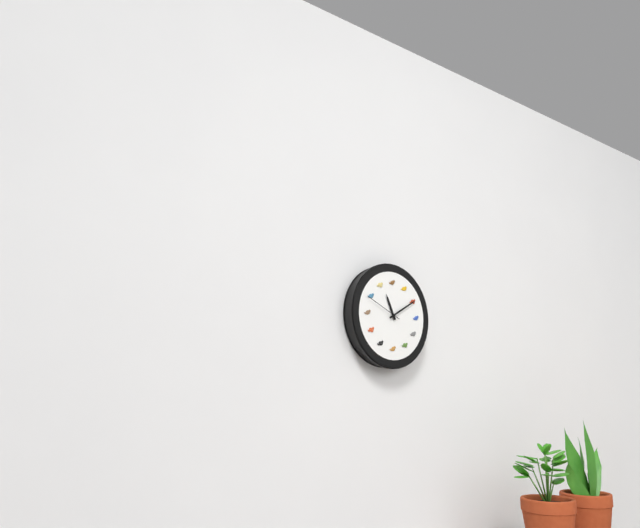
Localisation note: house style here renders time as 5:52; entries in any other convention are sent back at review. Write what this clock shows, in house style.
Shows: 11:10
